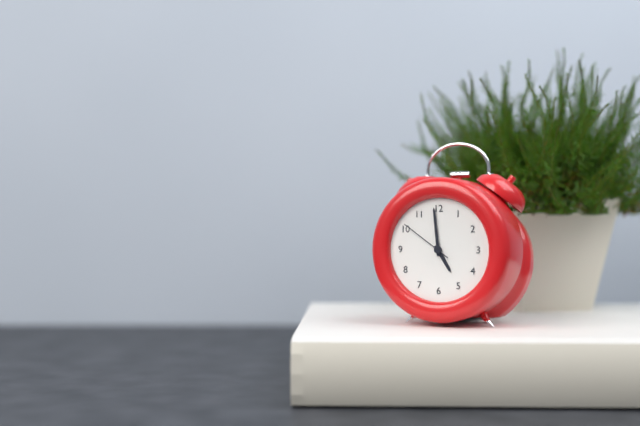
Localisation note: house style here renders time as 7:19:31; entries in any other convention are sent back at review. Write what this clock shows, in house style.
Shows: 4:59:51
